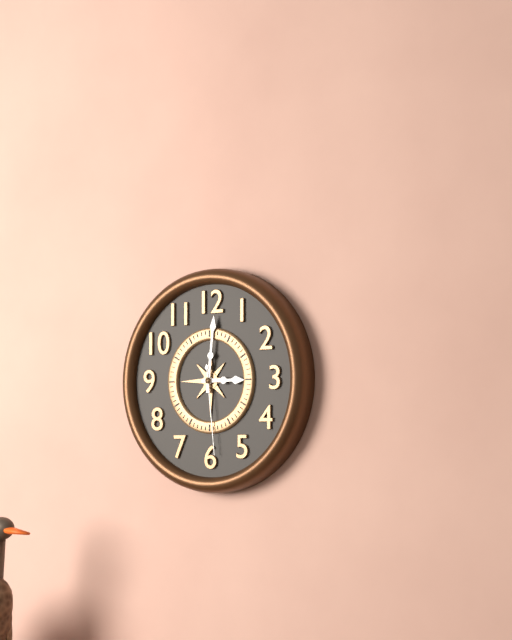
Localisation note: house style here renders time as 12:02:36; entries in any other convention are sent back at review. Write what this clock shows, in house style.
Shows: 3:01:29
